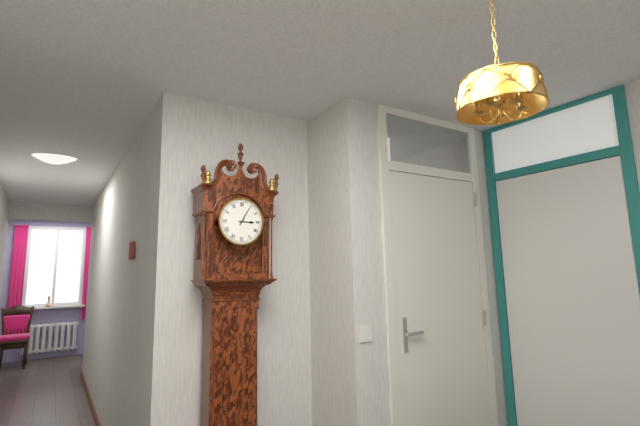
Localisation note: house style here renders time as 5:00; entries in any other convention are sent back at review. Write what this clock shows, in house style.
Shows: 3:05
